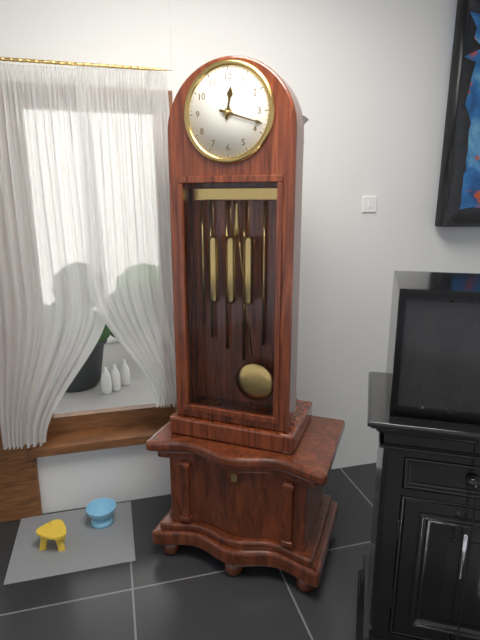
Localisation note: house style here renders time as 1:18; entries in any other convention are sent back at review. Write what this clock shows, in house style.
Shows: 12:18
